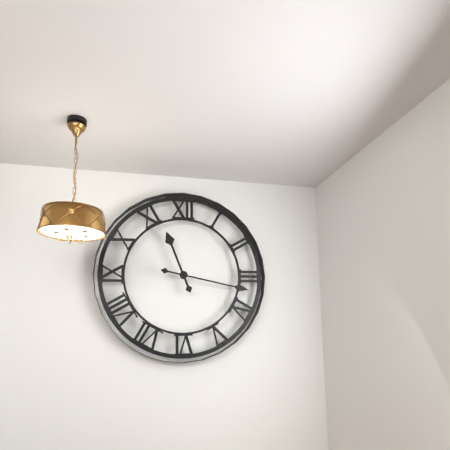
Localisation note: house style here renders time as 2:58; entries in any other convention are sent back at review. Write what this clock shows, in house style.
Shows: 11:17
